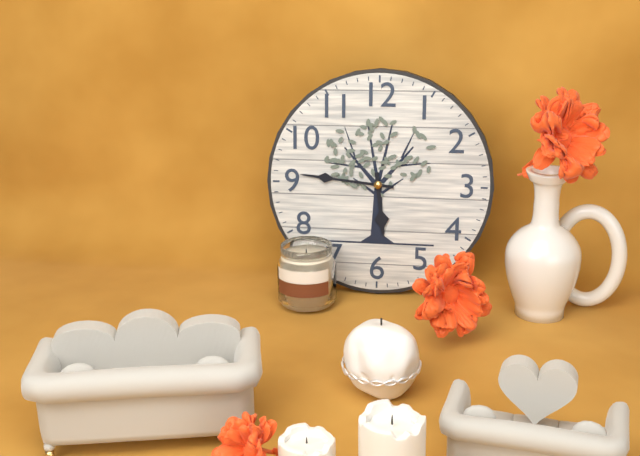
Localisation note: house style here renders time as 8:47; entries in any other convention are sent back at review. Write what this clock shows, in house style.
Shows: 5:46
